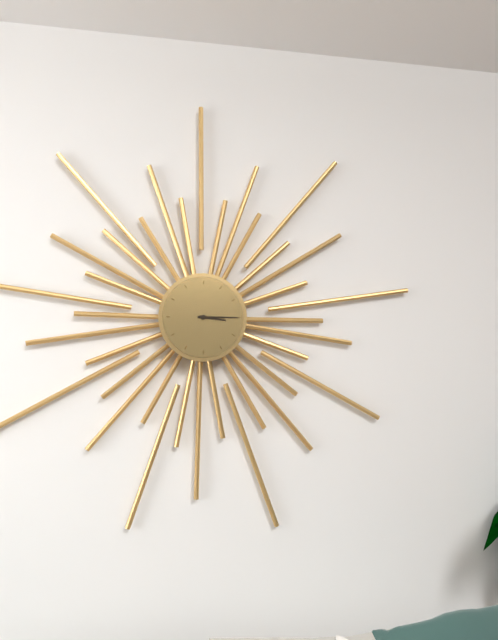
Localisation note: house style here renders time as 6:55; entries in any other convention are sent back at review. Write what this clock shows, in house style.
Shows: 3:15
